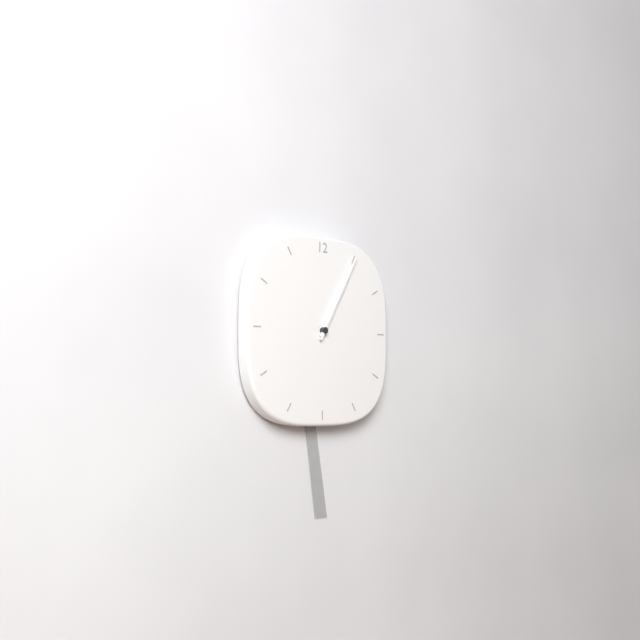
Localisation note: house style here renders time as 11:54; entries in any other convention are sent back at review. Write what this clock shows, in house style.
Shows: 1:05
